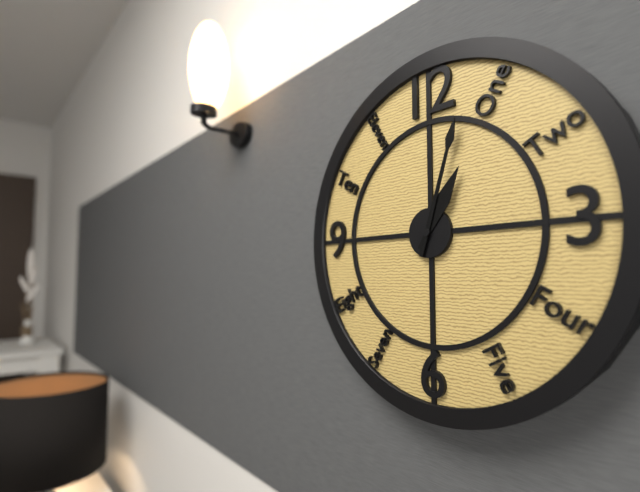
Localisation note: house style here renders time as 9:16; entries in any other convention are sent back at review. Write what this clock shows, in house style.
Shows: 1:03
